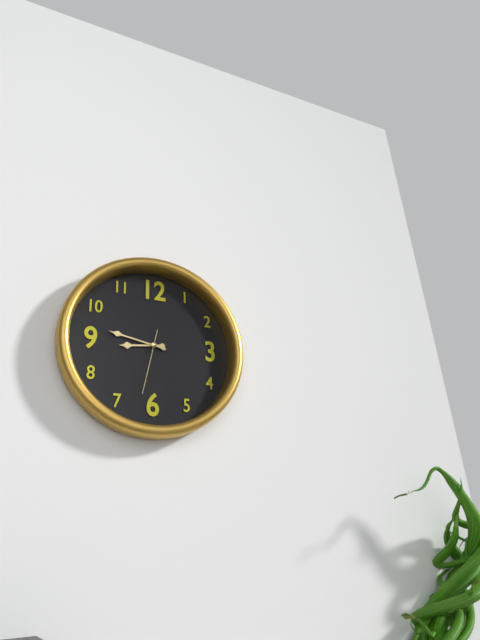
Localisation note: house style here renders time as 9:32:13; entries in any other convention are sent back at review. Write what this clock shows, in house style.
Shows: 8:47:32
